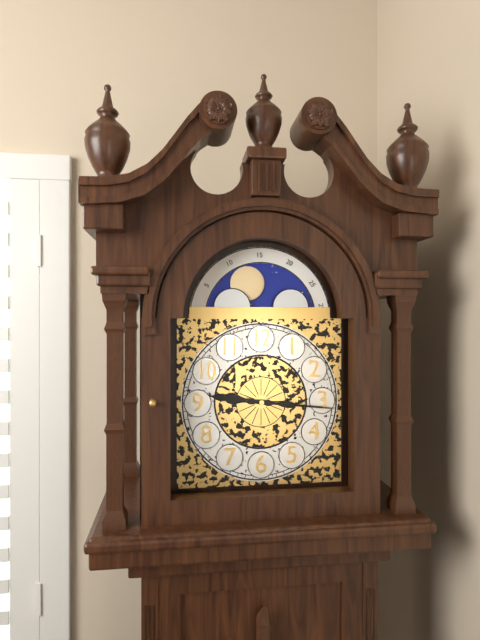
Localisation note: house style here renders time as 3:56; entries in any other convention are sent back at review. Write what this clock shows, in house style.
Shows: 9:16
